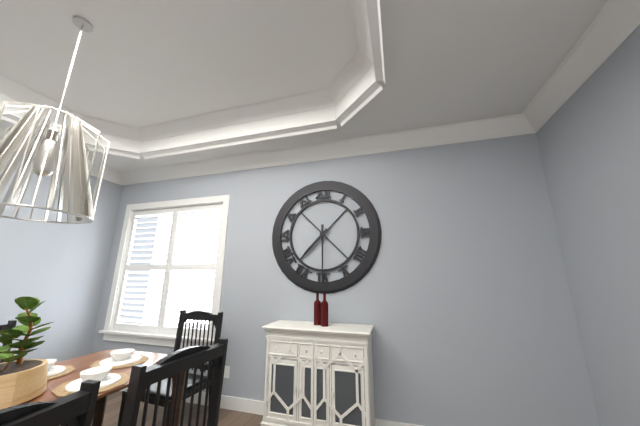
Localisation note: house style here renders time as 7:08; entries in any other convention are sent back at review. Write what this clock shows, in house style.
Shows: 7:30
